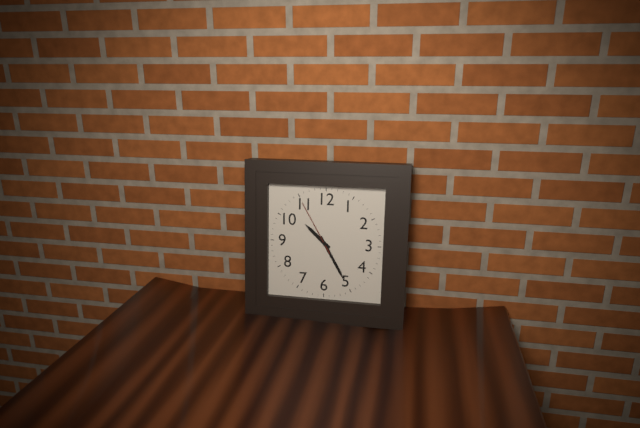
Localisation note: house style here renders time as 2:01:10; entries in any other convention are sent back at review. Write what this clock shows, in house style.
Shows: 10:25:55
